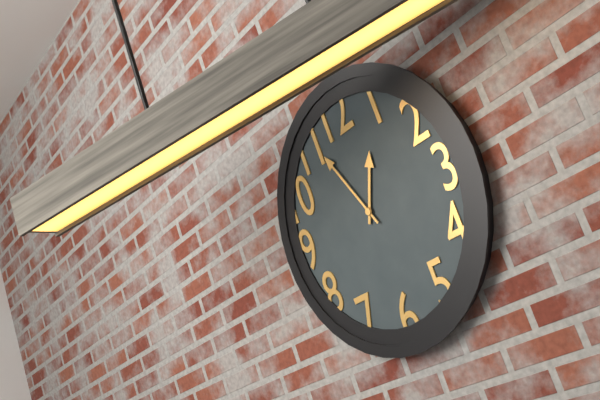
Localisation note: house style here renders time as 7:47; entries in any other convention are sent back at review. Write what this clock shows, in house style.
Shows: 12:56
